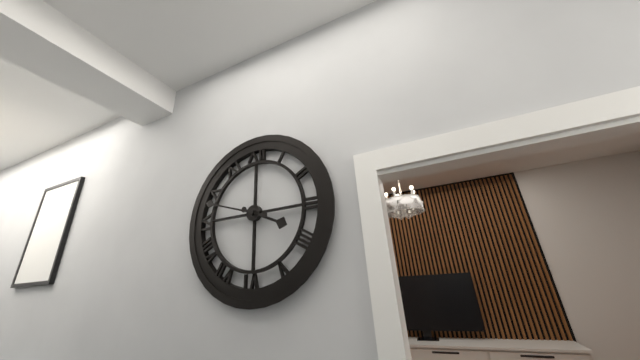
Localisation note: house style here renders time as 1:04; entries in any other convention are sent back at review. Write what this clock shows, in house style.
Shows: 3:48
